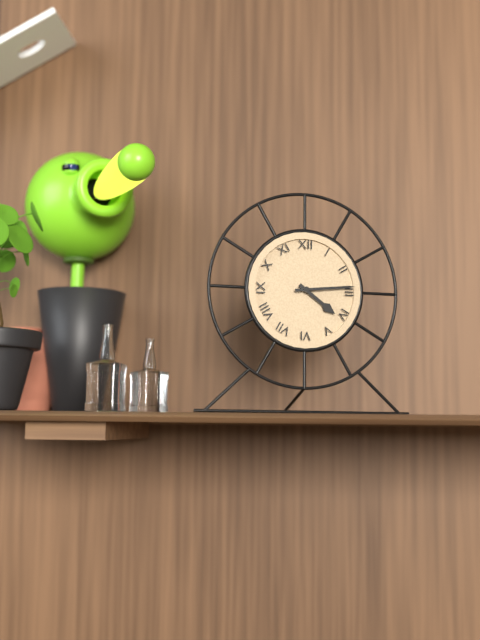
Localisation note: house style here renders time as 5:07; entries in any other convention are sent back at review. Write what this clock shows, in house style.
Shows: 4:14
